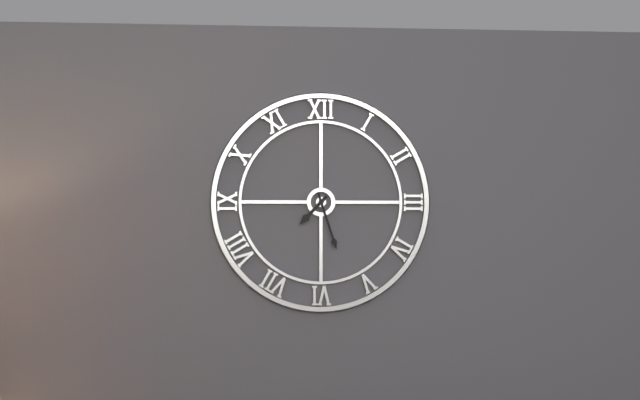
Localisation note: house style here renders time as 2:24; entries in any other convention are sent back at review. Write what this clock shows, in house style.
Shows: 7:27
